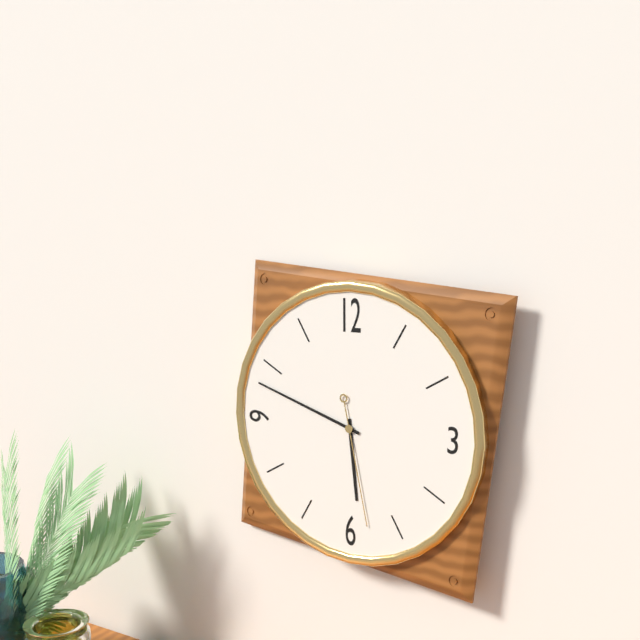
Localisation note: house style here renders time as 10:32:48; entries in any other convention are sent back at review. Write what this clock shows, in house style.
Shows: 5:48:28
